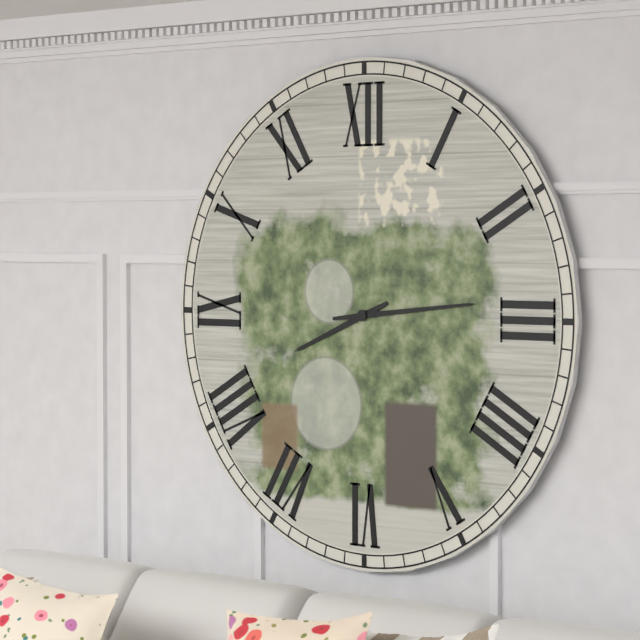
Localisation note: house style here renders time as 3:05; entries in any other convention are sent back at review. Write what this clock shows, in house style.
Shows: 8:14
